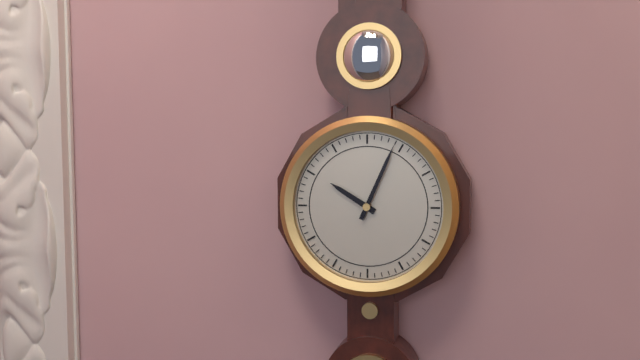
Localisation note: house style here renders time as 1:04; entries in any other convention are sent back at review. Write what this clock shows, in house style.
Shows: 10:04
